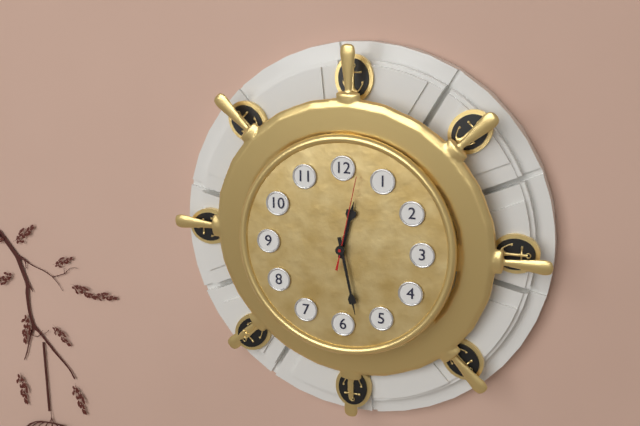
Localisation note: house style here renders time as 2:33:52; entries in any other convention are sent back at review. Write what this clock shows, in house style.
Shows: 12:28:02
